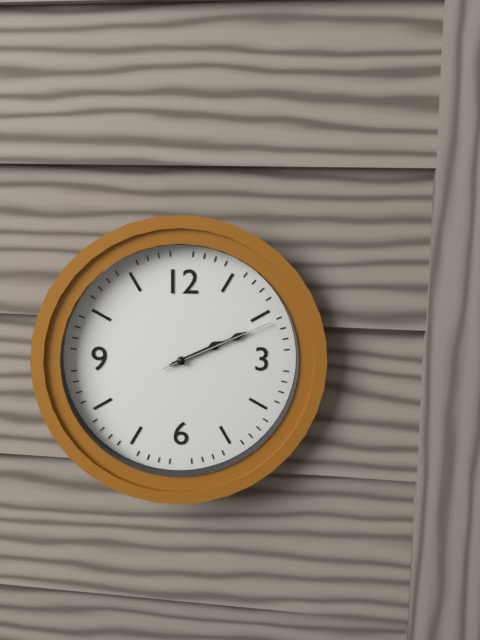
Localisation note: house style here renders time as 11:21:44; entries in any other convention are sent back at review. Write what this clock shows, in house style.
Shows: 2:11:11
